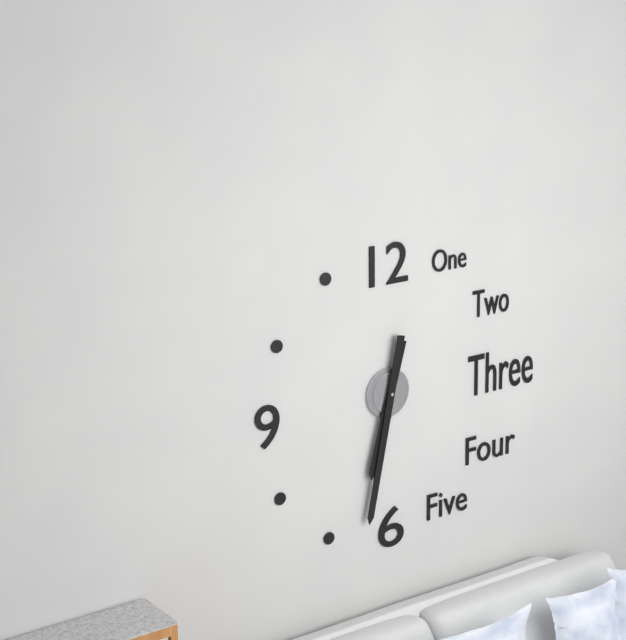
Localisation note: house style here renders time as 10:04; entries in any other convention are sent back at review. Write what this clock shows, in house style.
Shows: 6:32
